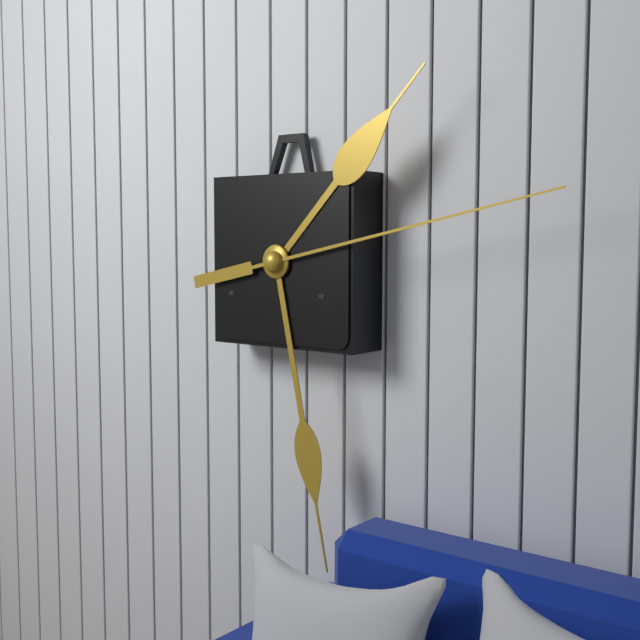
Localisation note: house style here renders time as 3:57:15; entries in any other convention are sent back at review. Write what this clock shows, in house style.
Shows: 1:28:13
